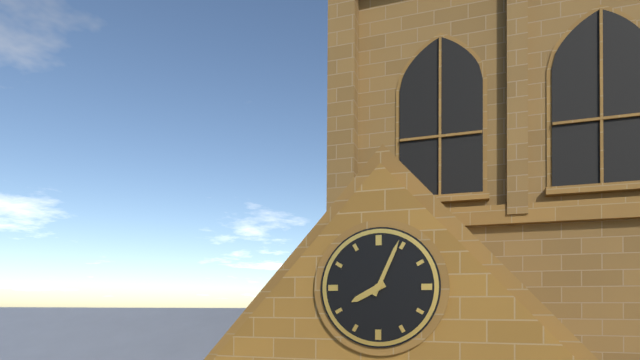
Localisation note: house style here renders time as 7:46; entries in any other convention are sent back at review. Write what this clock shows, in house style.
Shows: 8:04
